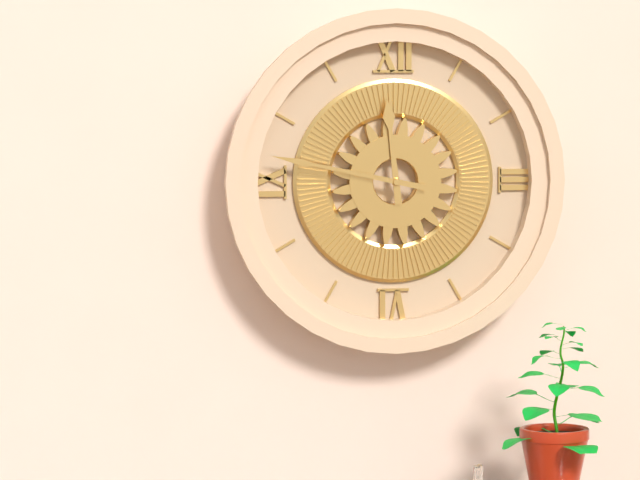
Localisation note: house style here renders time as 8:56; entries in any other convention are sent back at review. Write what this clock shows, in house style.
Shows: 11:47
